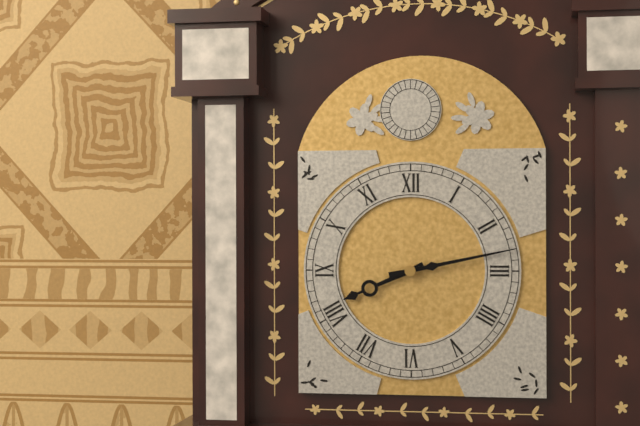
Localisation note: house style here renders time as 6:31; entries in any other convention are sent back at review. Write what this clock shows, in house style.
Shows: 8:13
